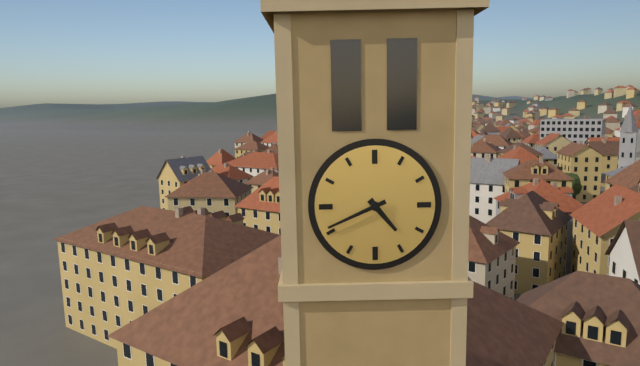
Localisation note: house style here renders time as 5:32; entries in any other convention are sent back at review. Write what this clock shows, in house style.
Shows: 4:41
